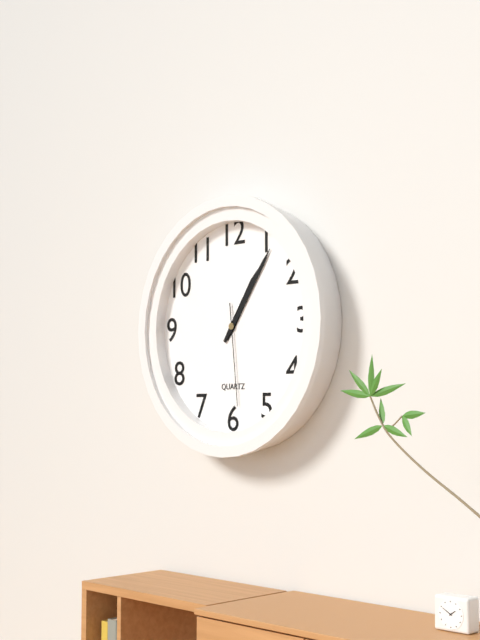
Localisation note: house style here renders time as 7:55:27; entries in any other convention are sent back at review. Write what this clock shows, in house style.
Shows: 1:06:29
